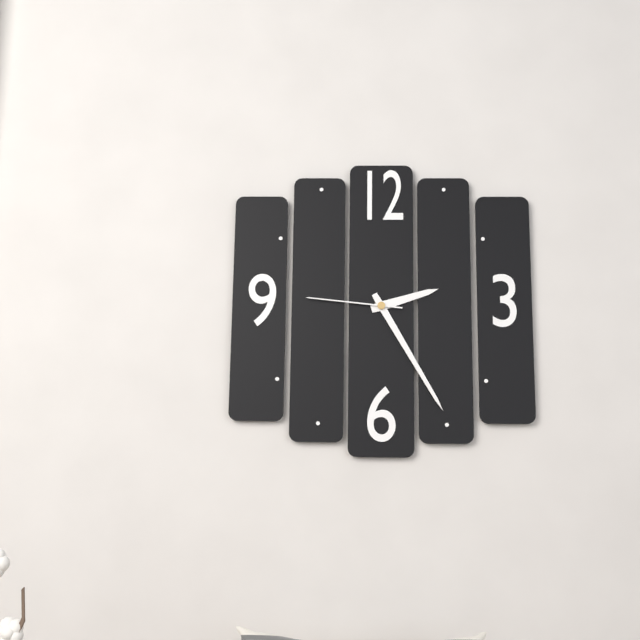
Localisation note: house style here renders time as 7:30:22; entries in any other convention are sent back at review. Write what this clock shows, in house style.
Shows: 2:25:46
